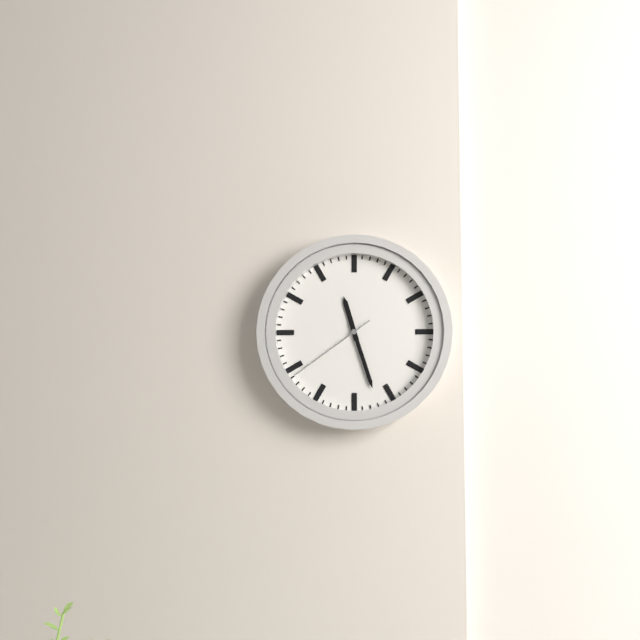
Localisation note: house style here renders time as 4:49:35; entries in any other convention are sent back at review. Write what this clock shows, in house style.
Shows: 11:27:39
